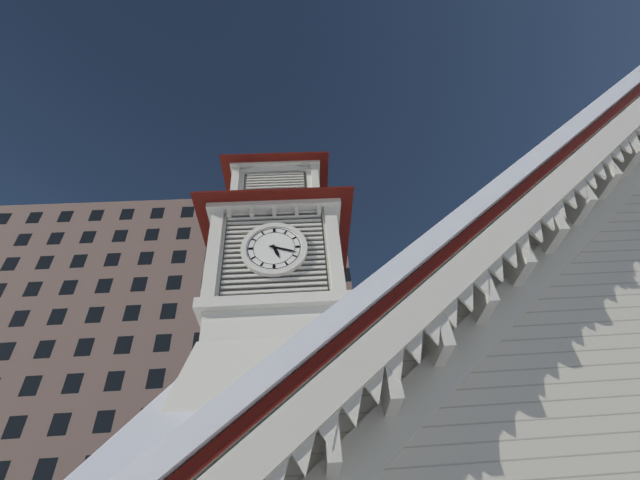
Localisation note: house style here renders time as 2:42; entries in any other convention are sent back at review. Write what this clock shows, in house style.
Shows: 5:18
